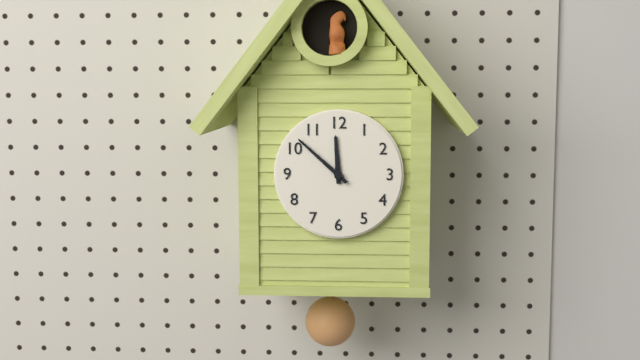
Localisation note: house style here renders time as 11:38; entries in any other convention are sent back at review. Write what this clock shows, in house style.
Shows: 11:52
